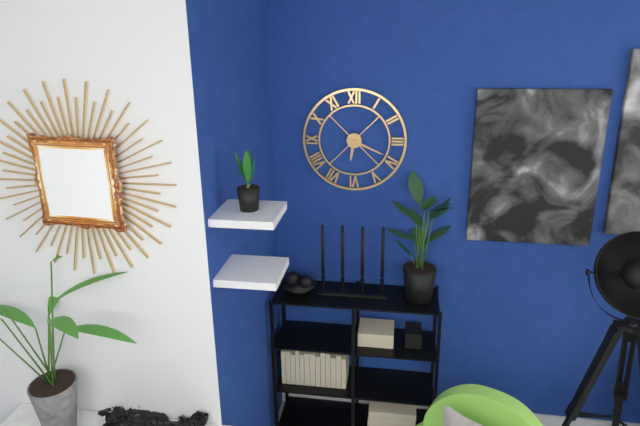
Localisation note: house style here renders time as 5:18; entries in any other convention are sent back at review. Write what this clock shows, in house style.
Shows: 6:19
